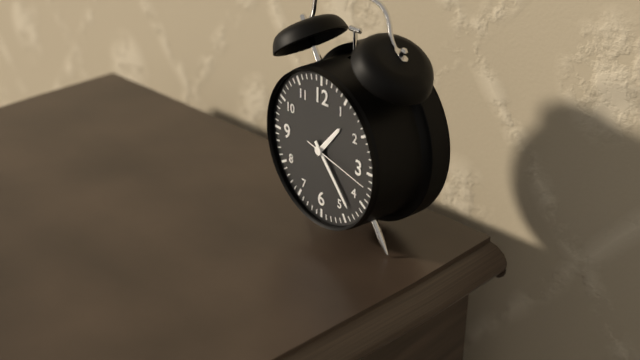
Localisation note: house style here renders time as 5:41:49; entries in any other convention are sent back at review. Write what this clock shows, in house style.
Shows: 1:23:17
